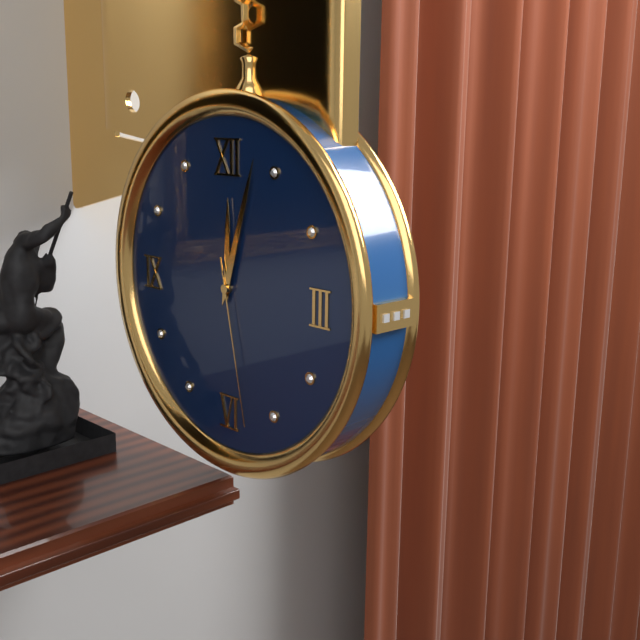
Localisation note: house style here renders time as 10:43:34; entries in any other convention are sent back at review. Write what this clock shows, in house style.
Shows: 12:03:28
